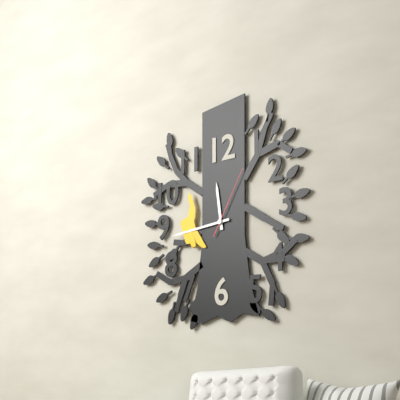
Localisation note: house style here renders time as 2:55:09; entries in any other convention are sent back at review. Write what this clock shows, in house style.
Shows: 11:44:05
